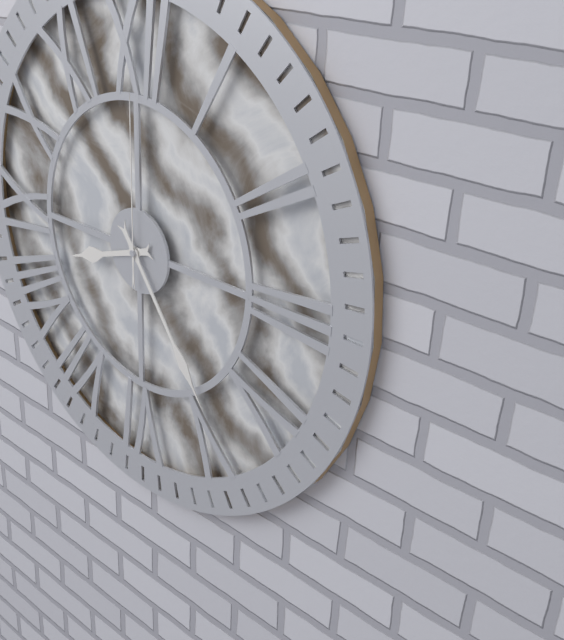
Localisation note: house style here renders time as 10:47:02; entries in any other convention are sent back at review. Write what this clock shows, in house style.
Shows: 8:24:00
